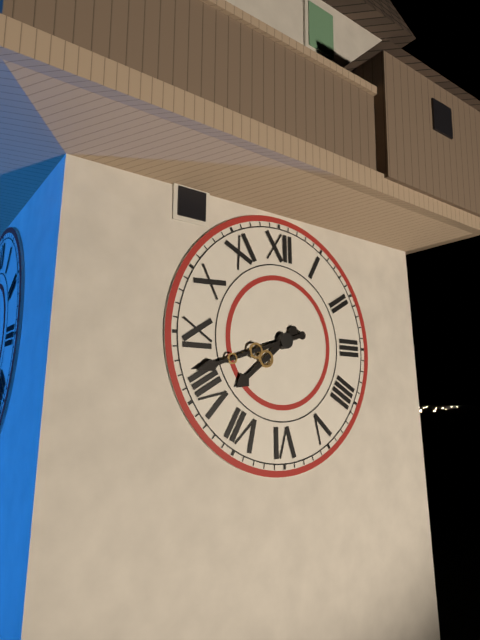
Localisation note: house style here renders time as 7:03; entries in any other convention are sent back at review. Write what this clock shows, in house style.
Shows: 7:42
